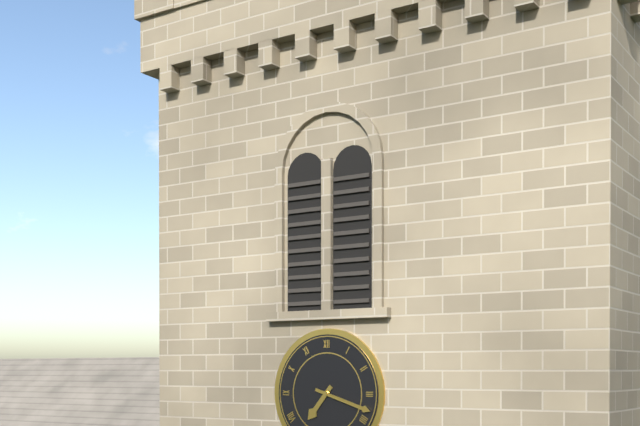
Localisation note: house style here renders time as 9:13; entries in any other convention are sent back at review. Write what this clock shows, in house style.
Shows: 7:18
